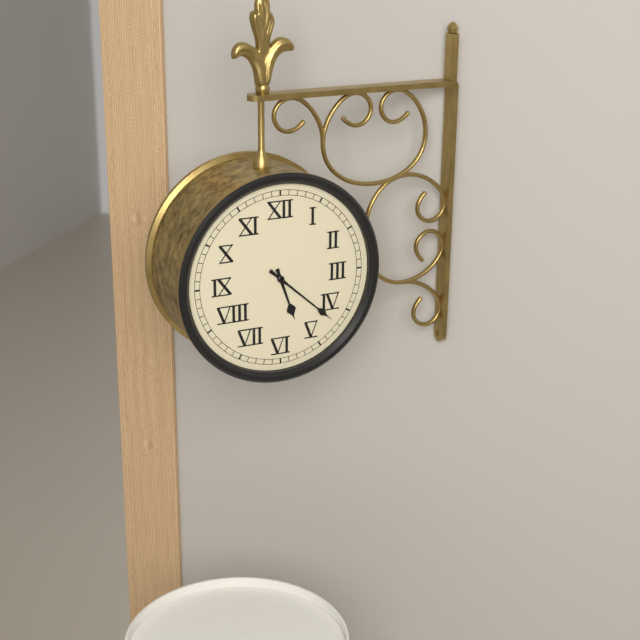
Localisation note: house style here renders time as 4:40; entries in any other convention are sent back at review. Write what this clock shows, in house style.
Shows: 5:22
